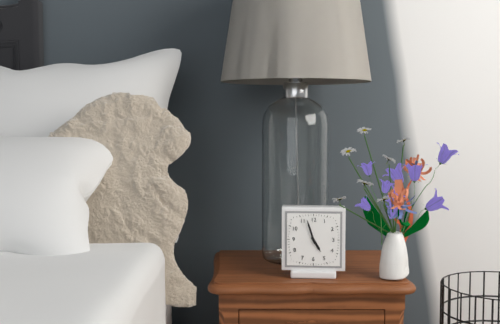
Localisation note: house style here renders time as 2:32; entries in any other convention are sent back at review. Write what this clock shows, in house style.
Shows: 4:57
